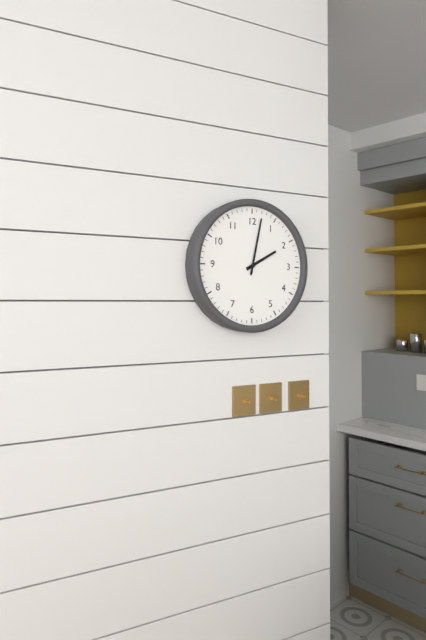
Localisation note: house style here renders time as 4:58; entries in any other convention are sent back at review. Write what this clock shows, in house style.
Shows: 2:02
